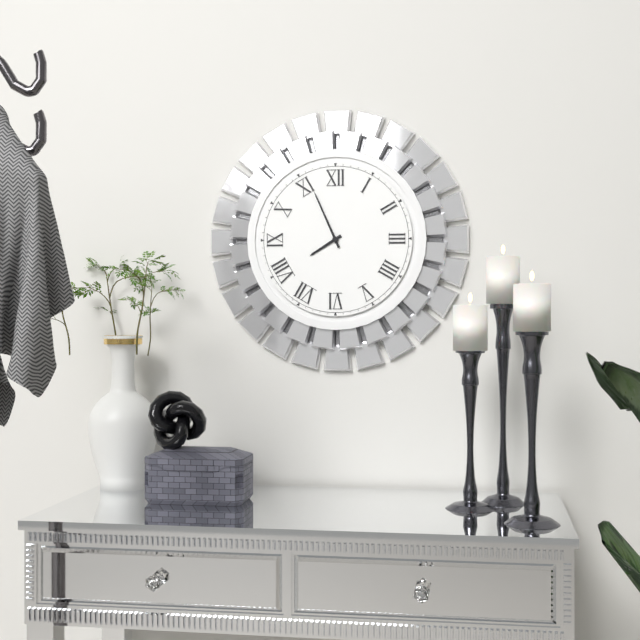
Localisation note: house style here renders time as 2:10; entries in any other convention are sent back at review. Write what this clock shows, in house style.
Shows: 7:56
